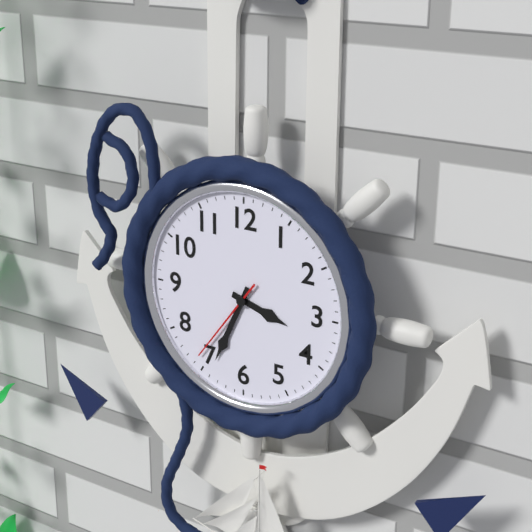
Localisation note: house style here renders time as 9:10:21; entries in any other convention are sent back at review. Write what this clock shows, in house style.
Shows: 3:34:36
